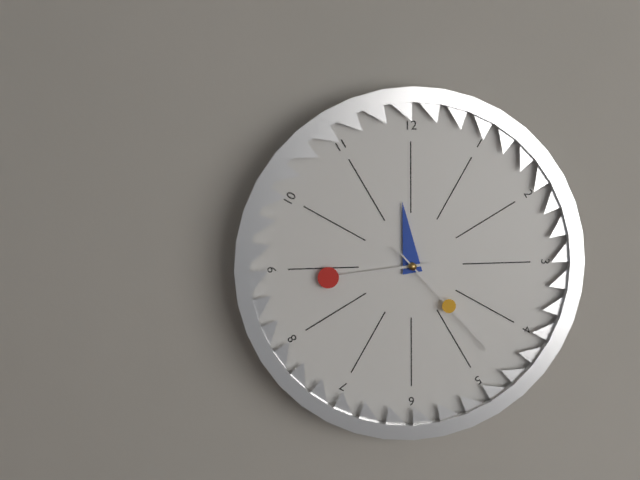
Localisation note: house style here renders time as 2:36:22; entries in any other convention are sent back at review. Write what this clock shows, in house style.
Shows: 11:44:23
